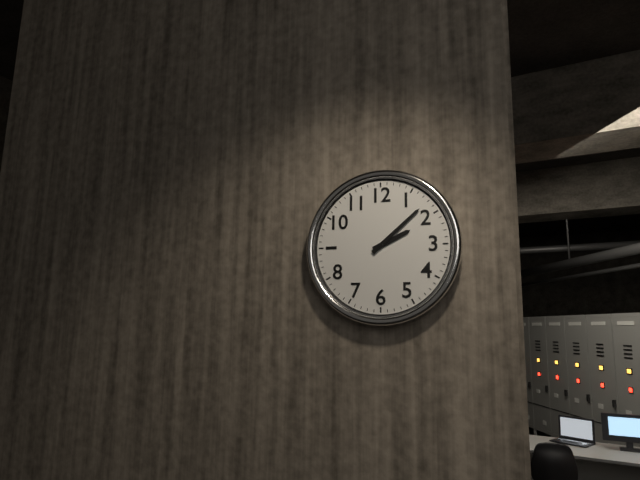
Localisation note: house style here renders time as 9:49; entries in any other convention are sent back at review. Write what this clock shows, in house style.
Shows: 2:08
